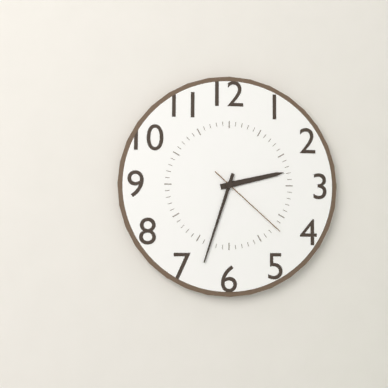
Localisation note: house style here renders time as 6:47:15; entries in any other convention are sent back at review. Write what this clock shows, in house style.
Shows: 2:33:22
